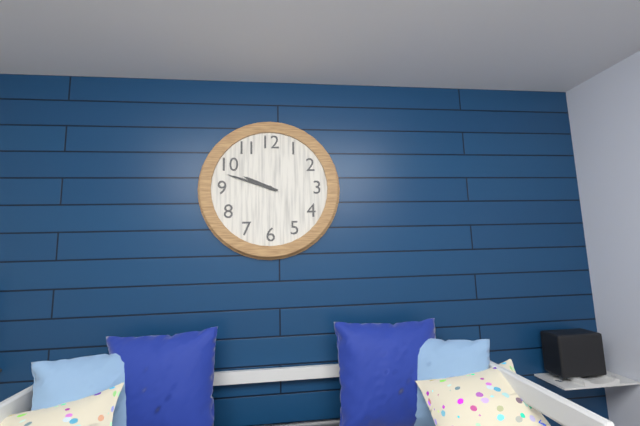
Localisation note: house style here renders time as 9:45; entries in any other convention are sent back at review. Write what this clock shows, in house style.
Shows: 9:48
